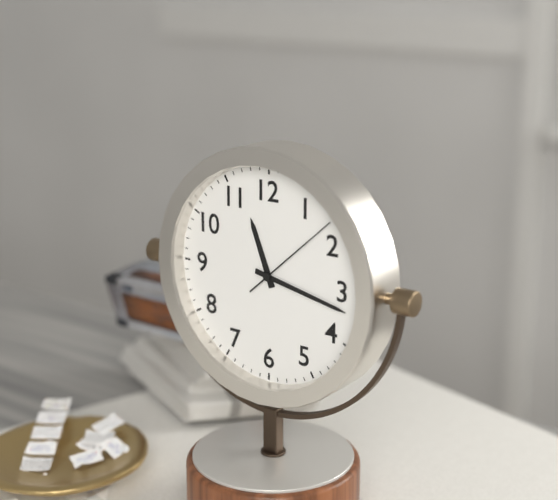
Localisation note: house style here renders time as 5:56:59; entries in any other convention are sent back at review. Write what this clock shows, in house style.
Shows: 11:17:08
